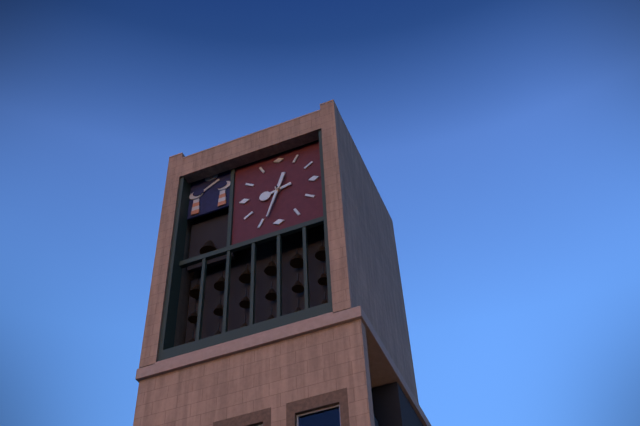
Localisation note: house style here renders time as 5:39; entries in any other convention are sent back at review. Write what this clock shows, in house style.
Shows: 8:33
